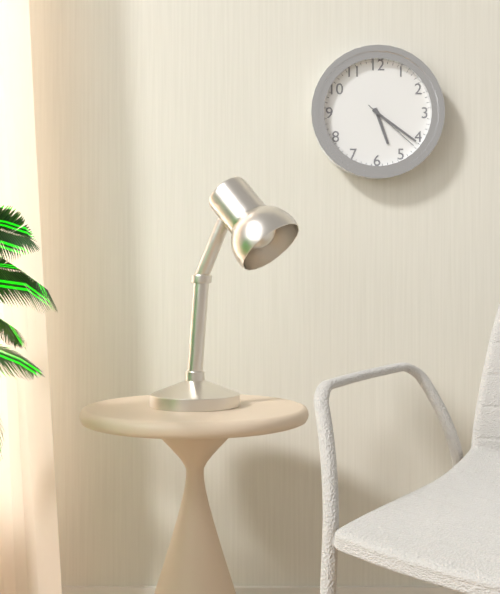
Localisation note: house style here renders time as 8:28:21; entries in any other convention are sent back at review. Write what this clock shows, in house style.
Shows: 5:21:22
